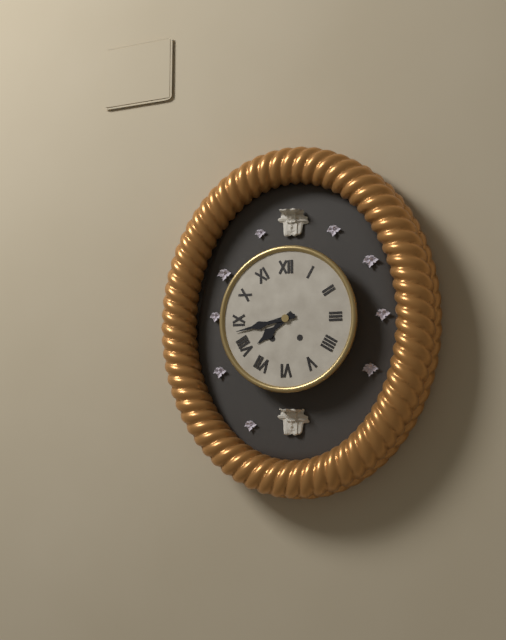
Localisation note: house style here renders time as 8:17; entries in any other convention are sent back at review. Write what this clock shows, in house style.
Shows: 7:43
